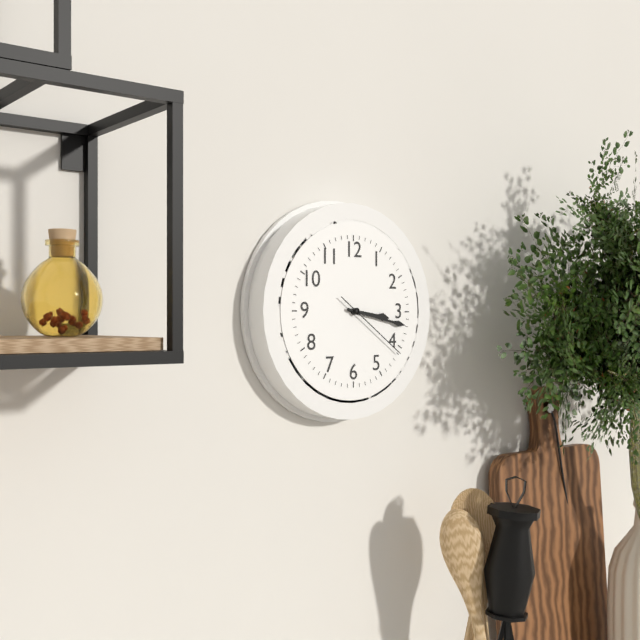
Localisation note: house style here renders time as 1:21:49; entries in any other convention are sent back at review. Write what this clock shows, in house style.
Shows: 3:17:21
